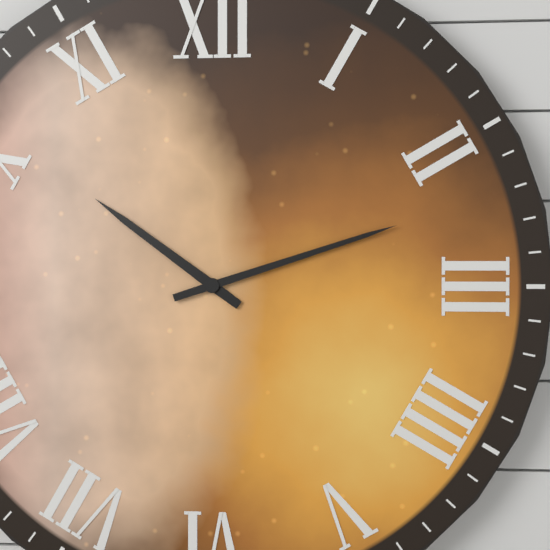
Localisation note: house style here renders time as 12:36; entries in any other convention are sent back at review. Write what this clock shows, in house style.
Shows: 10:12
